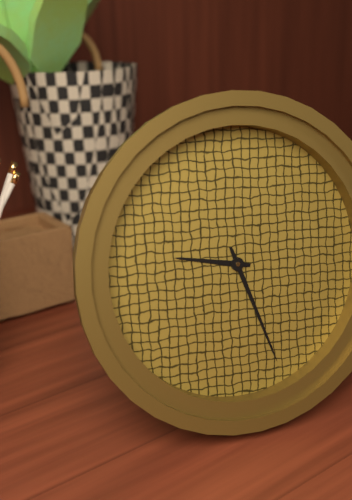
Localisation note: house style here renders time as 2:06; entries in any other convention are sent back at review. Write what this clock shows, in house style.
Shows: 9:27
